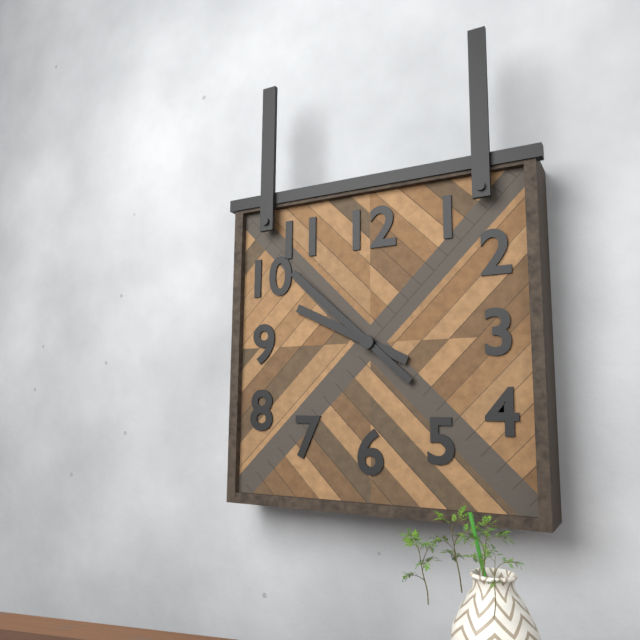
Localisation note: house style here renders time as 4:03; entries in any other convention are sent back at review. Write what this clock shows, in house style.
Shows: 9:52
